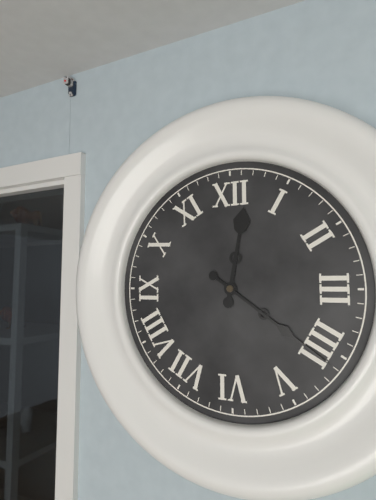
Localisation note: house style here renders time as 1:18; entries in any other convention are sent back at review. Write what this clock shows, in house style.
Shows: 12:21
